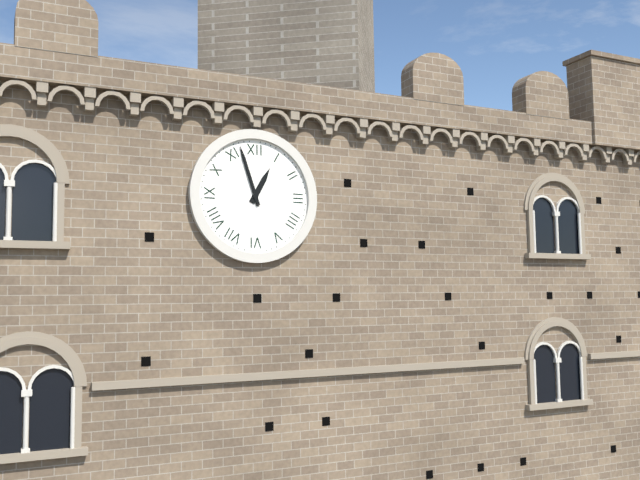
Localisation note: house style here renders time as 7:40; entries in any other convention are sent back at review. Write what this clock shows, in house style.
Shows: 12:57
